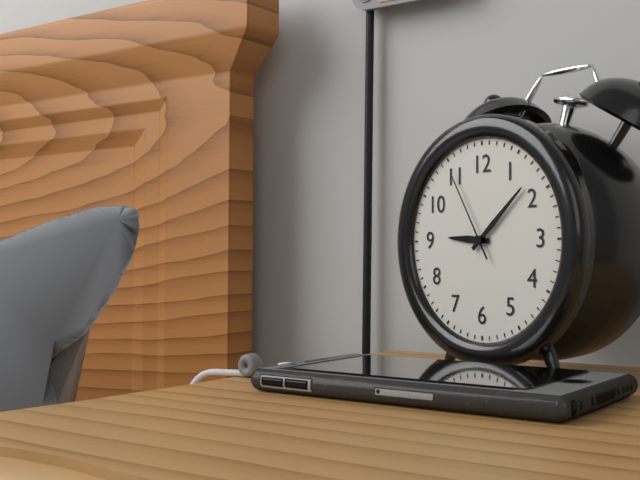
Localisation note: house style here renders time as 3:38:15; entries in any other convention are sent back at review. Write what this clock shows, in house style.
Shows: 9:08:55
